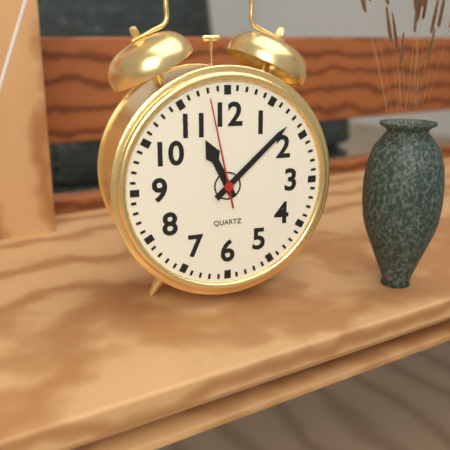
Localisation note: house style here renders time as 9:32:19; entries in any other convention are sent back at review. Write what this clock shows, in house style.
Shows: 11:08:58
